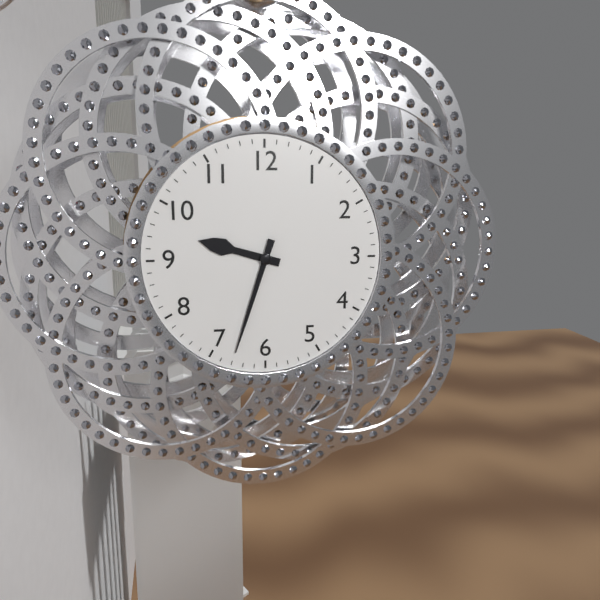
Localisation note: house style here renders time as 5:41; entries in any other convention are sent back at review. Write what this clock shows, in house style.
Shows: 9:33
